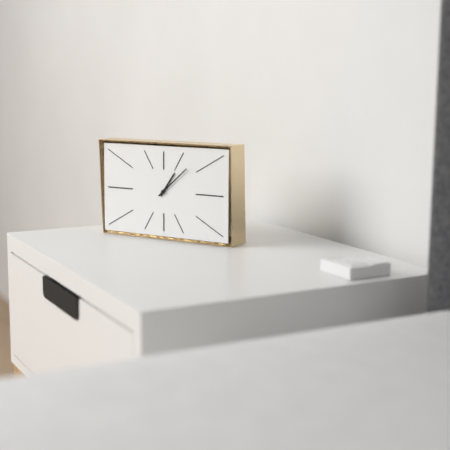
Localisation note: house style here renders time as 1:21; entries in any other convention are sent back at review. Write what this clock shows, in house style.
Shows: 1:08
